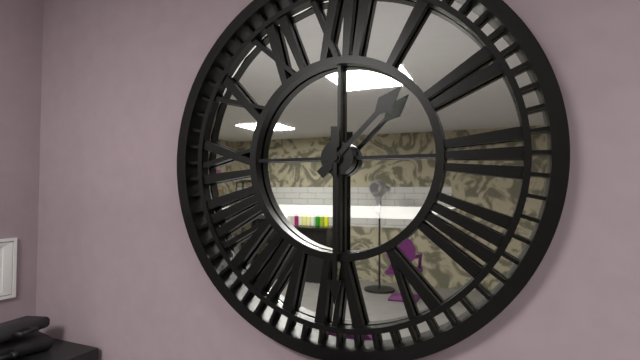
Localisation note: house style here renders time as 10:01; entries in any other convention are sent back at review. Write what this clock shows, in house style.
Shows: 1:30
